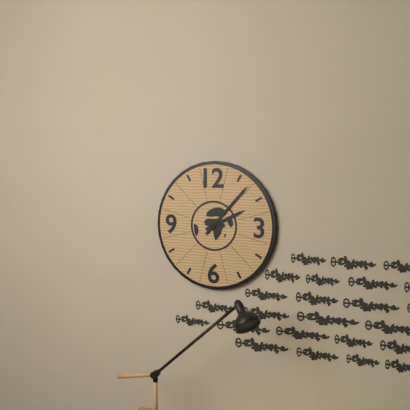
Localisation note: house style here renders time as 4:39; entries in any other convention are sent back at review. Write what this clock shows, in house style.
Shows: 2:07
